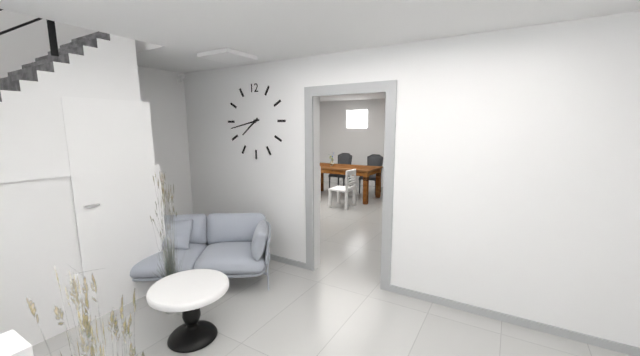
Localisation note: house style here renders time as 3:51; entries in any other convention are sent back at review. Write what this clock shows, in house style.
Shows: 7:43
